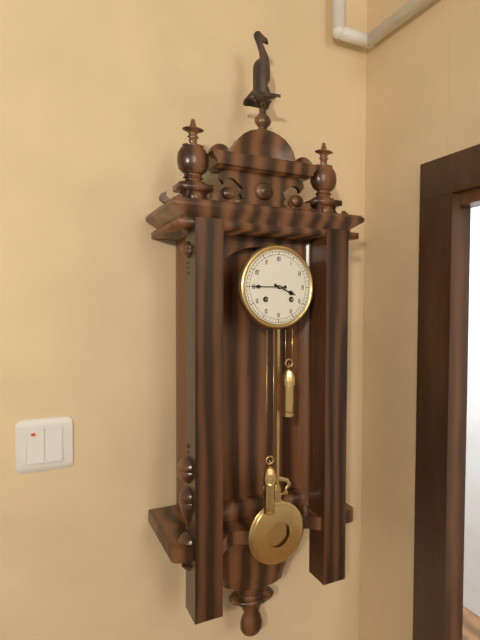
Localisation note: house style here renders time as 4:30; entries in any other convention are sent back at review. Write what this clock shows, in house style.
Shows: 3:45
